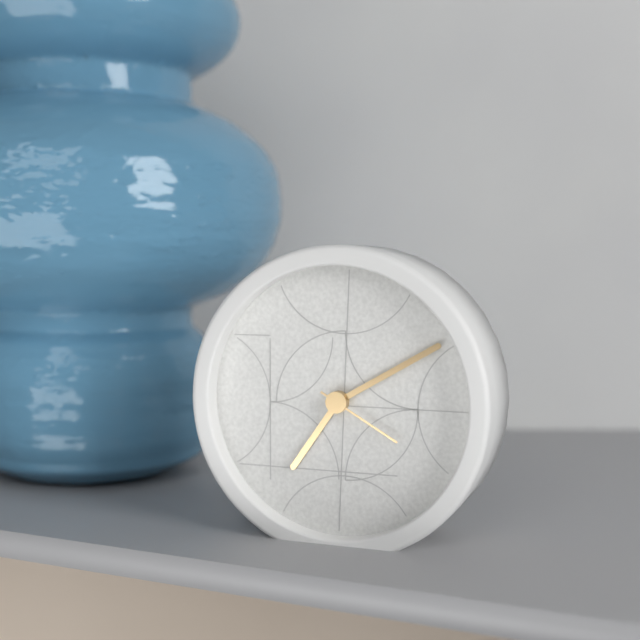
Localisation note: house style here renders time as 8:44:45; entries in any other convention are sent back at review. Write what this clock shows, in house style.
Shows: 7:10:20
